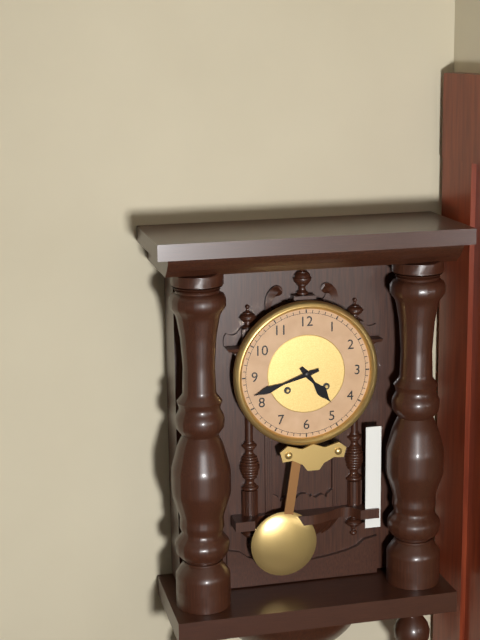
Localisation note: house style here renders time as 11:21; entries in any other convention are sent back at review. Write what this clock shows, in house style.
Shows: 4:42
